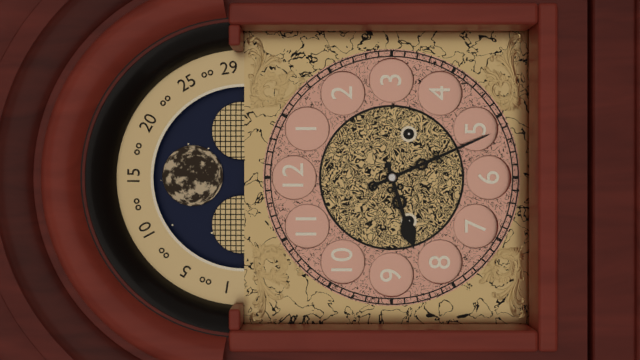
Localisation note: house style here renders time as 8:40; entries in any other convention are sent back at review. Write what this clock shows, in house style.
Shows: 8:26
